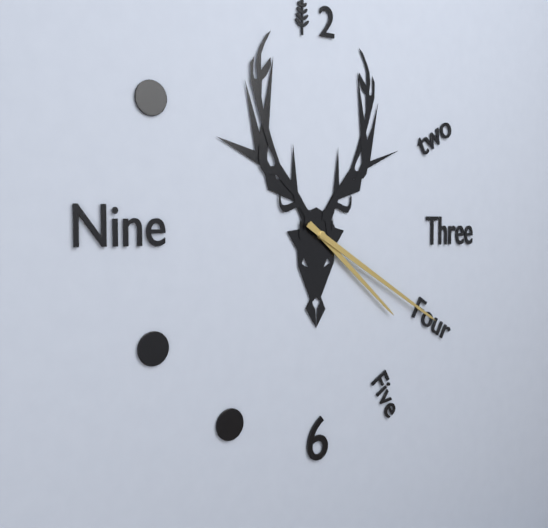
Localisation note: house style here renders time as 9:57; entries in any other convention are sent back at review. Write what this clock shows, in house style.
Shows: 4:20
